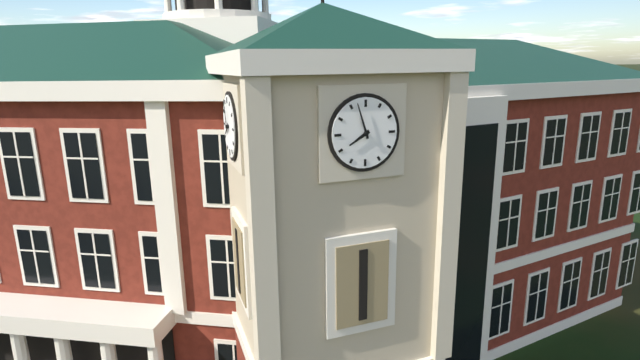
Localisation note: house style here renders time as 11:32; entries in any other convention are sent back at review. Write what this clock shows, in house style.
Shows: 7:57
